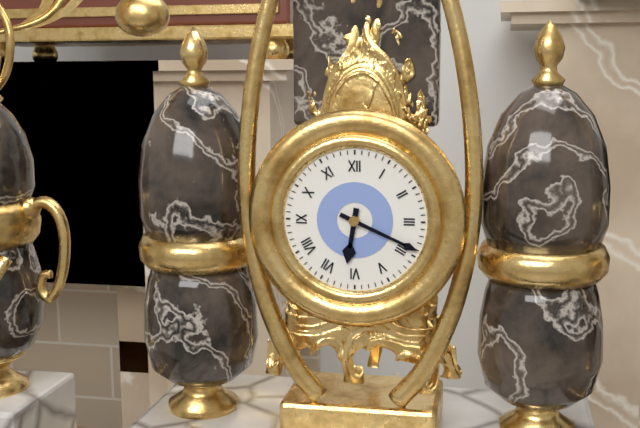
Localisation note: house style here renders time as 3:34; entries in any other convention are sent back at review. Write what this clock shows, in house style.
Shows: 6:19
